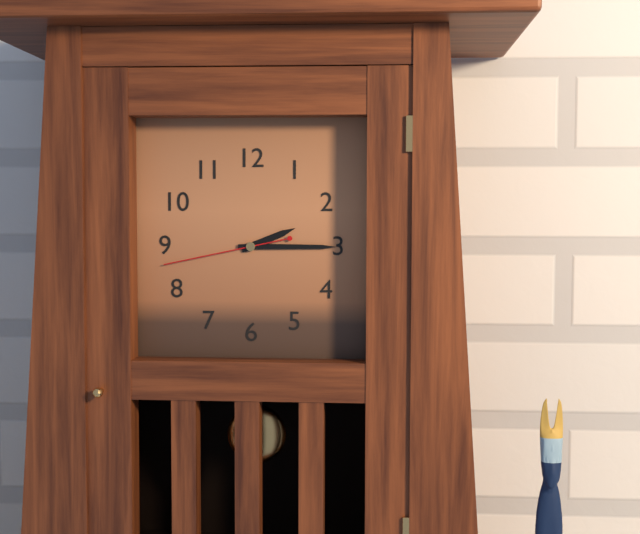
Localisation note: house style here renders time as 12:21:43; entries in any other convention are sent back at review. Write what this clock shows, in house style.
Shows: 2:15:43
